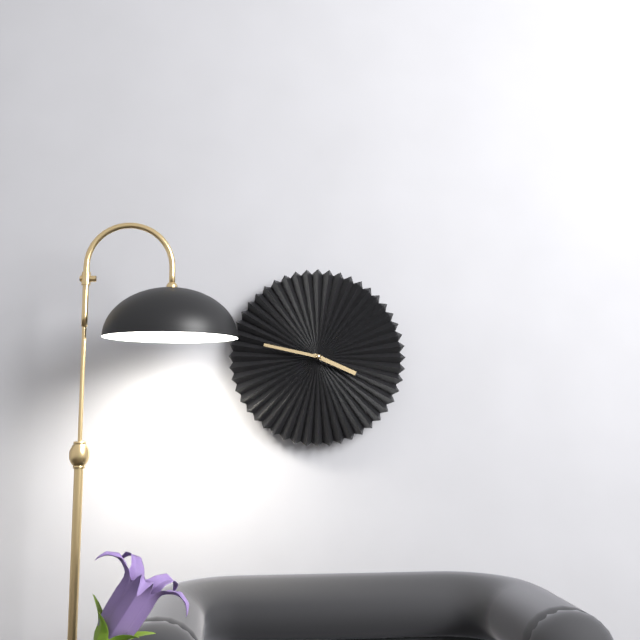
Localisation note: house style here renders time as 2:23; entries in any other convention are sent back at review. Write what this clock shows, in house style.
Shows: 3:47
